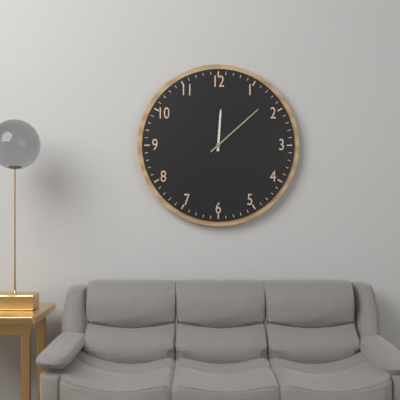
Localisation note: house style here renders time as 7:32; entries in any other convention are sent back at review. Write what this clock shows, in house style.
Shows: 12:08
